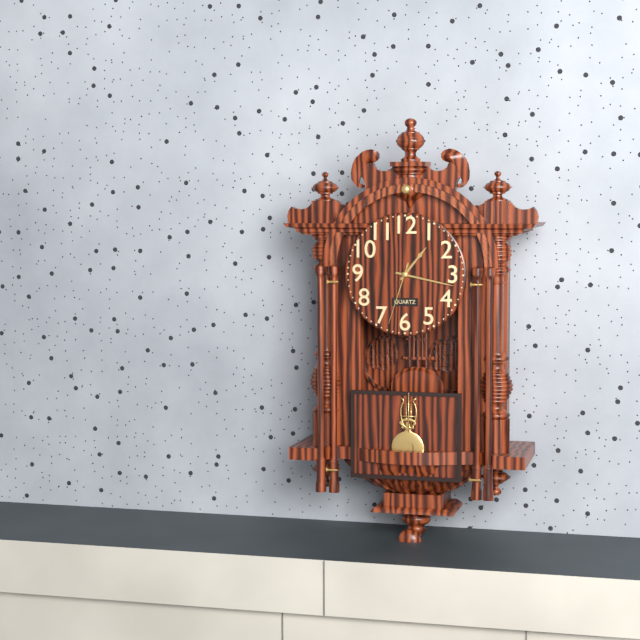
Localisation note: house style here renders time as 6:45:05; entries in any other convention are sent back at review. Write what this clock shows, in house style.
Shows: 1:17:33
